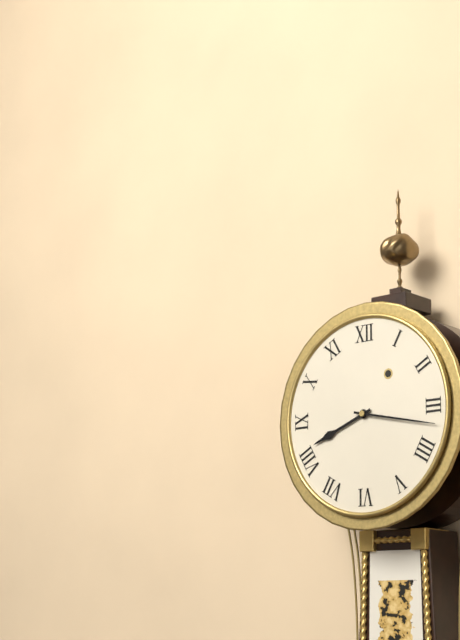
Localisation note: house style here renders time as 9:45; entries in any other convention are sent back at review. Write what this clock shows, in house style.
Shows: 8:17
